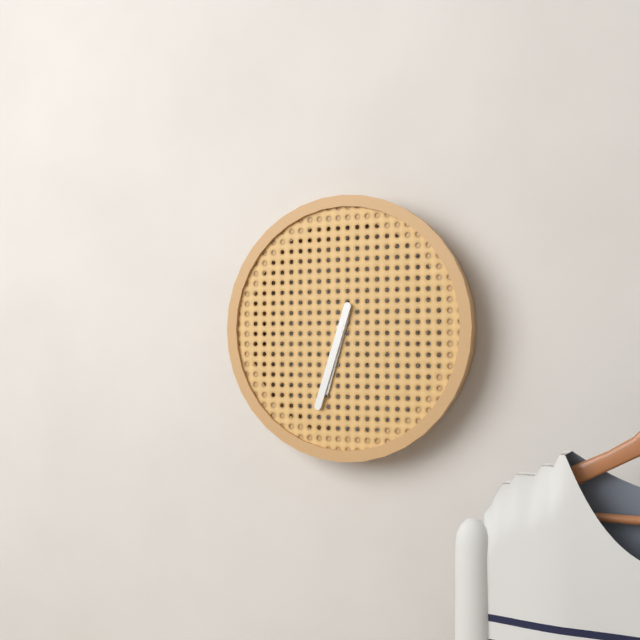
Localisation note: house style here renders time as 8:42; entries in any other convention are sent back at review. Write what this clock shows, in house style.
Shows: 6:33
